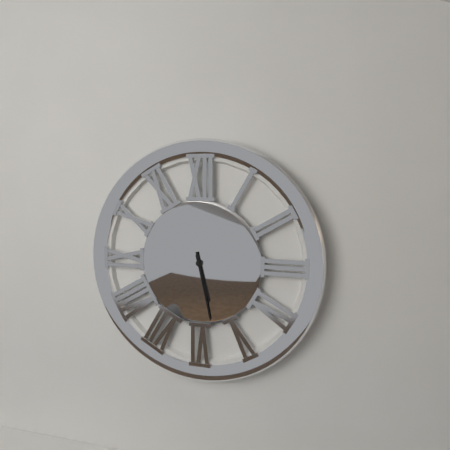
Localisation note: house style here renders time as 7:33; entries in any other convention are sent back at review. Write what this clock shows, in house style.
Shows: 5:28
